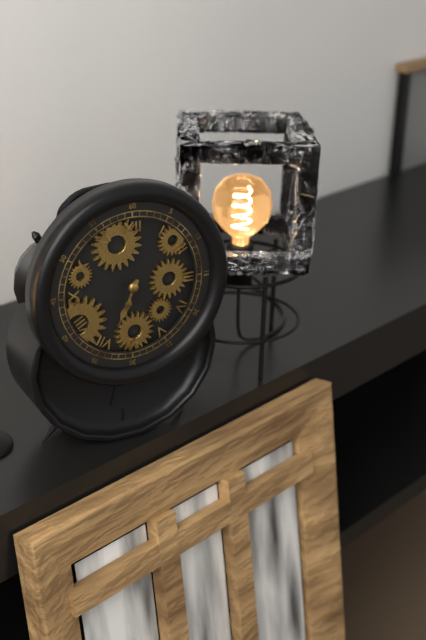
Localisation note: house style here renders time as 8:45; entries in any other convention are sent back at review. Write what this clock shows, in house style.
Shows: 6:34
